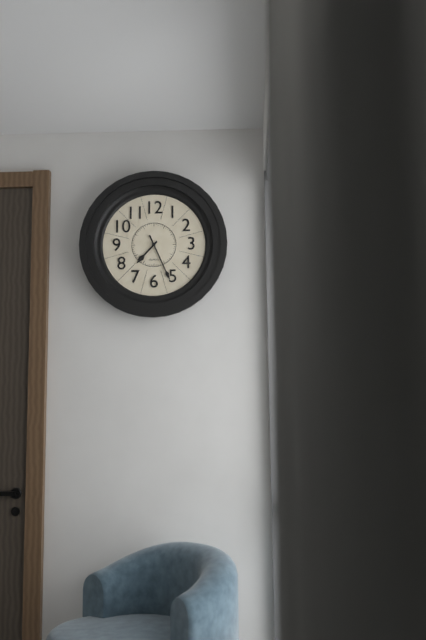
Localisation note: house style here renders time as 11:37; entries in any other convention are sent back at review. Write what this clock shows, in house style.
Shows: 7:26
